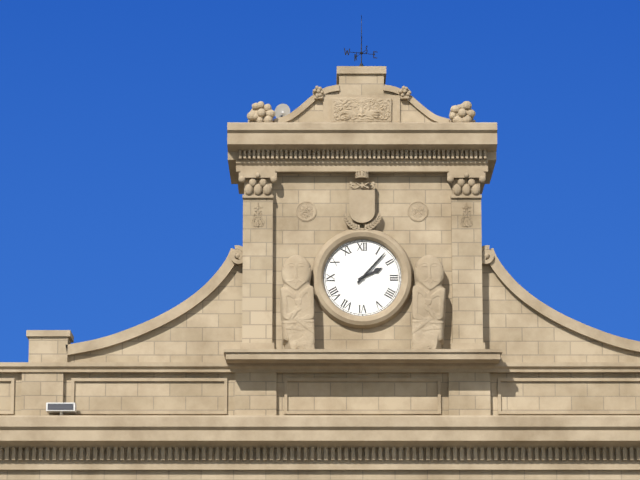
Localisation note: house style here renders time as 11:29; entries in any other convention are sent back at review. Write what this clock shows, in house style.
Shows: 2:07
